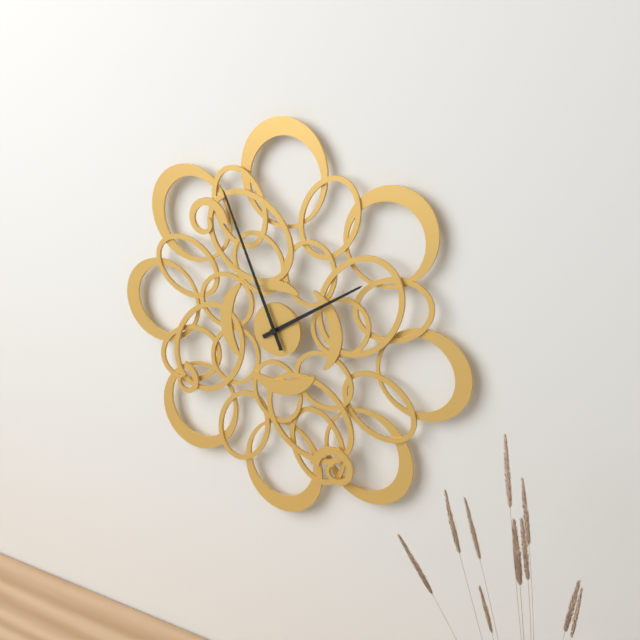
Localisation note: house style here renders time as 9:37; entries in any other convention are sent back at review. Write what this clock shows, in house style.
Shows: 1:56
